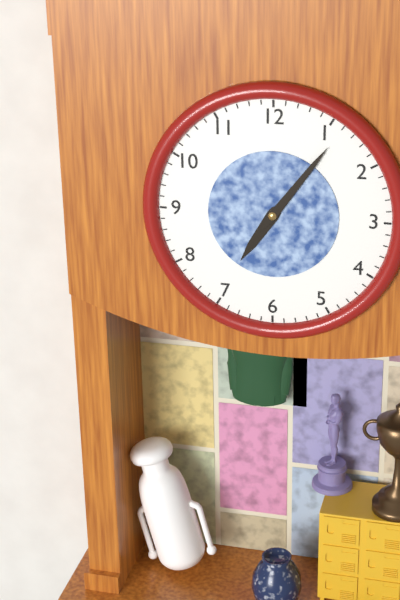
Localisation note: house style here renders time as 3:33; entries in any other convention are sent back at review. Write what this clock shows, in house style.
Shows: 7:06
